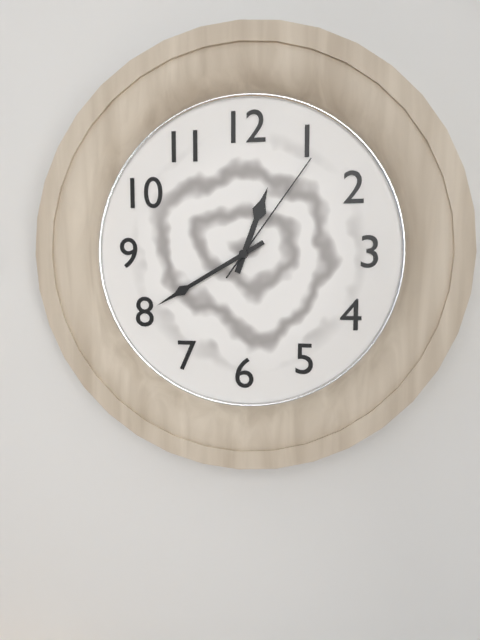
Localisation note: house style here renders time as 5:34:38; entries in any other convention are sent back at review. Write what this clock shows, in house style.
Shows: 12:40:06
